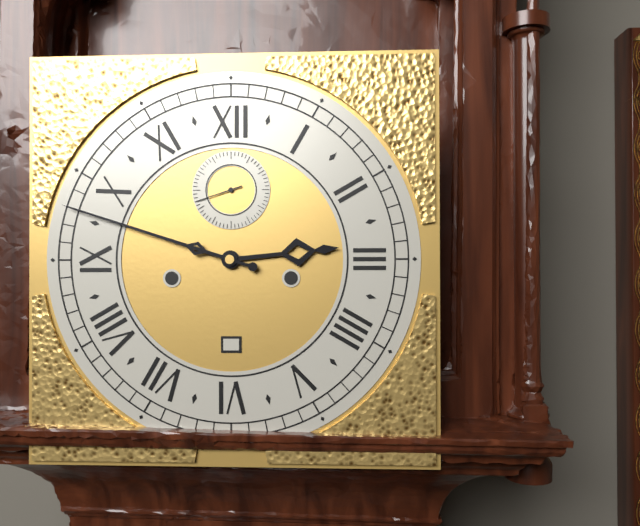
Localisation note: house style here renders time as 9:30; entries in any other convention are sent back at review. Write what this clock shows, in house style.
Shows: 2:48
